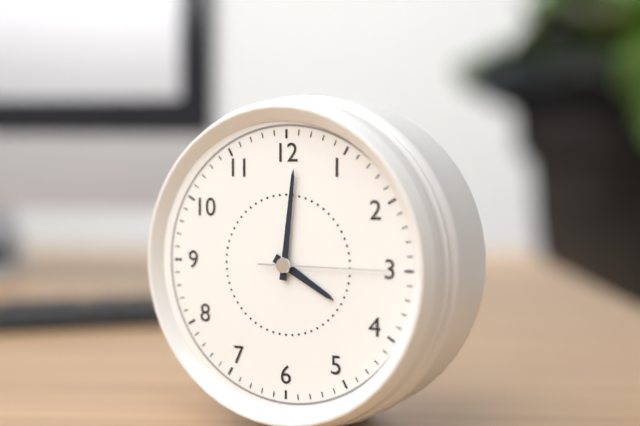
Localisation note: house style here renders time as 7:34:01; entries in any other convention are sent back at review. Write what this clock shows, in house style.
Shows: 4:01:15
